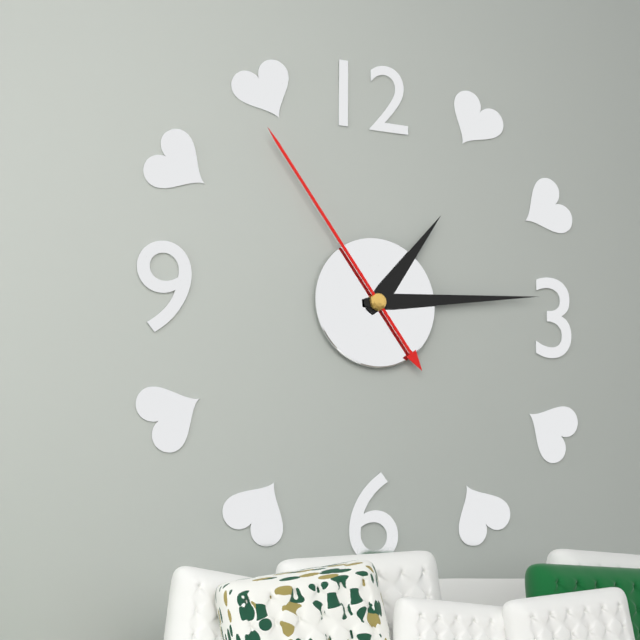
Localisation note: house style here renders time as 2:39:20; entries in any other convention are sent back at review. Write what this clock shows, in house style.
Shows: 1:14:54
